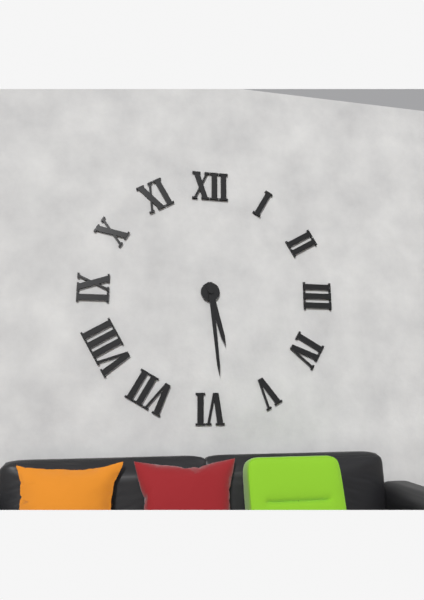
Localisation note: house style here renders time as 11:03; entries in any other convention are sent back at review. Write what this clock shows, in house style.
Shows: 5:29
